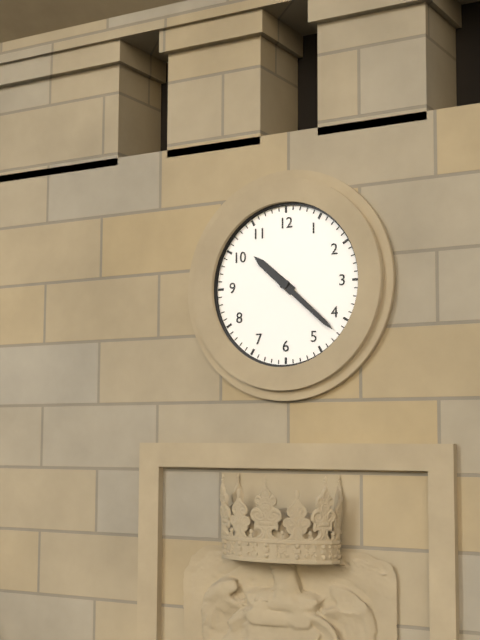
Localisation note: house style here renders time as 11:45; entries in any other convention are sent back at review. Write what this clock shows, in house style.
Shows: 10:22
